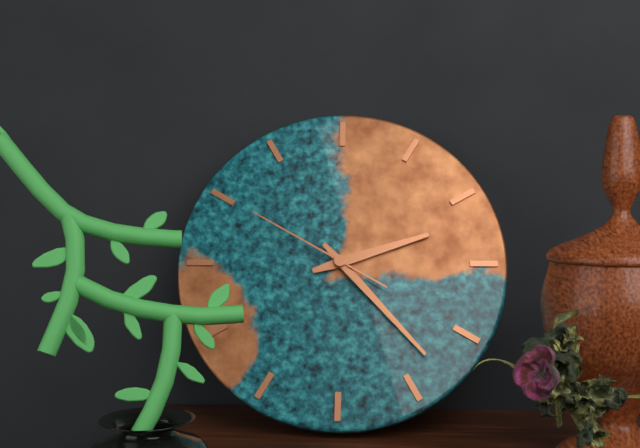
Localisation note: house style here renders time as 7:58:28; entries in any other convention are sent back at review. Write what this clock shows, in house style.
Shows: 2:23:50
